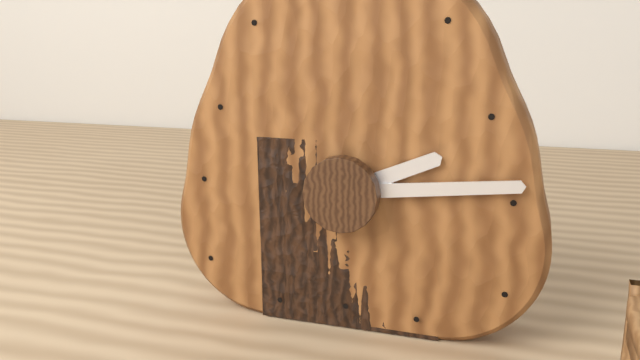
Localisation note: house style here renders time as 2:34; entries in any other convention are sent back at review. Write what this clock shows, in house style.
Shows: 2:14
